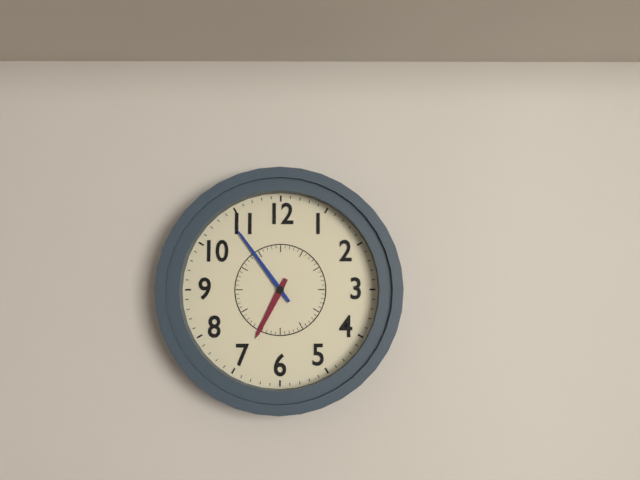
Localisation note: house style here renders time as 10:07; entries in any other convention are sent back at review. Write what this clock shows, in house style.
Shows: 6:54
